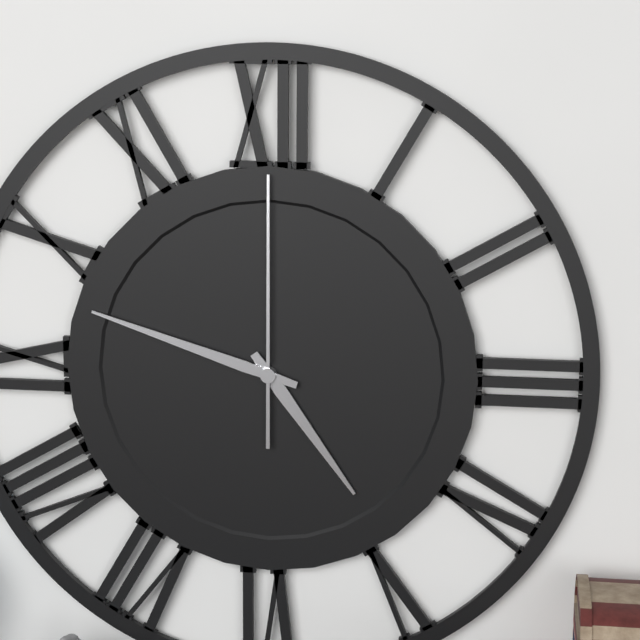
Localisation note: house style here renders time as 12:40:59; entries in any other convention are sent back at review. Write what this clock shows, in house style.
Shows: 4:48:00
